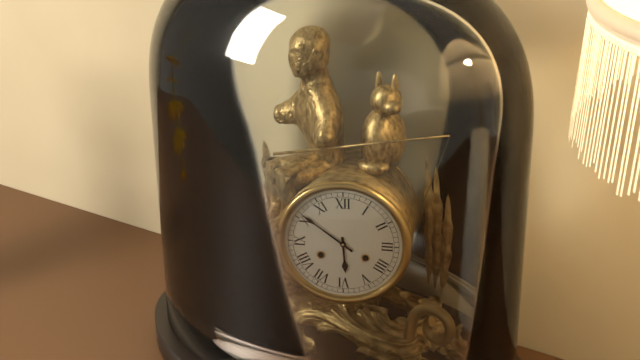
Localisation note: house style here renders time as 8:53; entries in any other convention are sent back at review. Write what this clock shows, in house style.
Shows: 5:51
